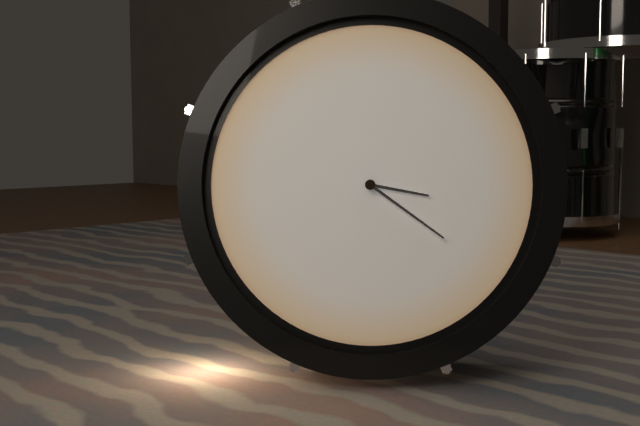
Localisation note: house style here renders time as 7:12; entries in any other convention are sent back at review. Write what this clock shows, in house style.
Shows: 3:21
